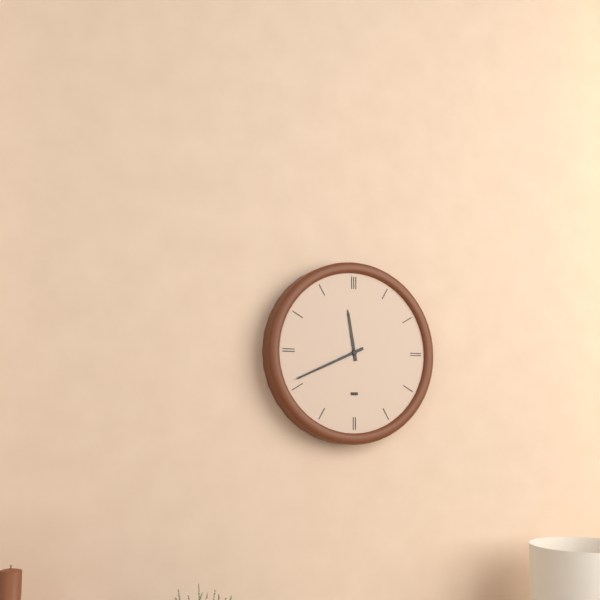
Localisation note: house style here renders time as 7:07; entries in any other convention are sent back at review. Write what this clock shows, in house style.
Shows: 11:41
